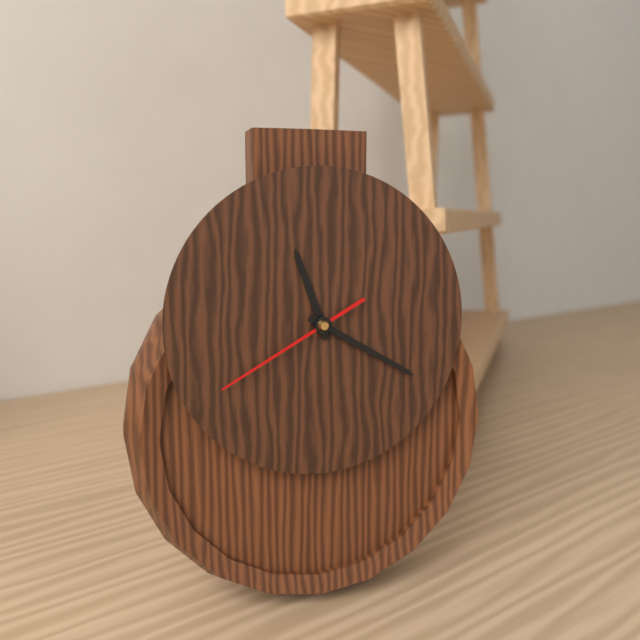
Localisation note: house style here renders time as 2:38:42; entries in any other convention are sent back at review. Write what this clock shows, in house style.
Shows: 11:20:40
